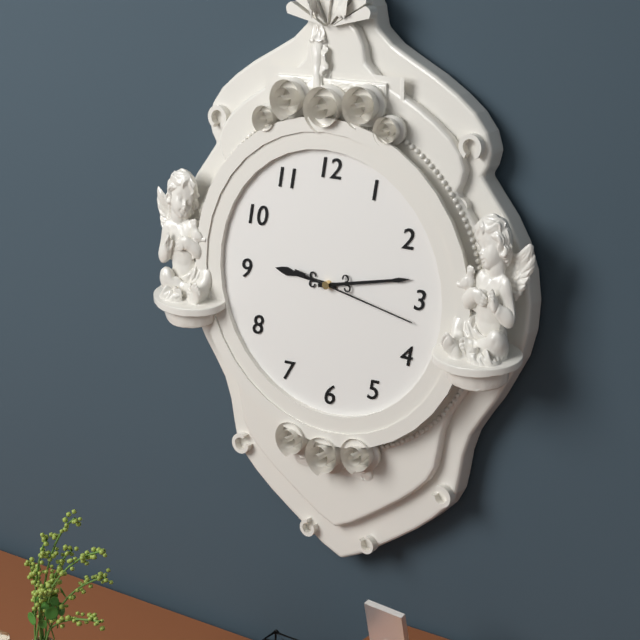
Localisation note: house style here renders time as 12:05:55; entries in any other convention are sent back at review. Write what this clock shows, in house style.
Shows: 9:13:17
